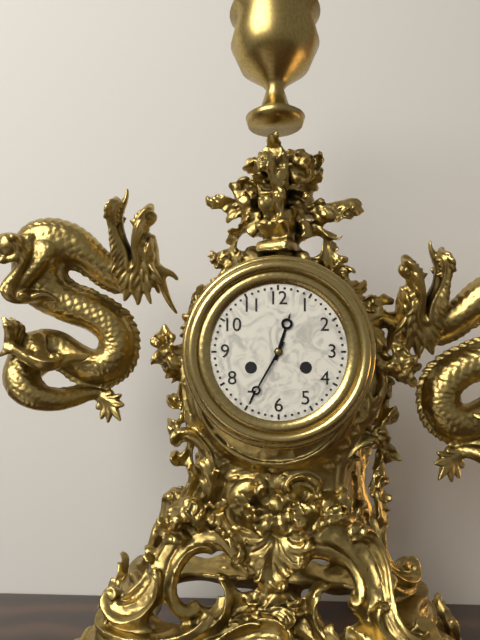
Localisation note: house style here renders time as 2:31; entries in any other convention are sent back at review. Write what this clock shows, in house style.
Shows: 12:35
